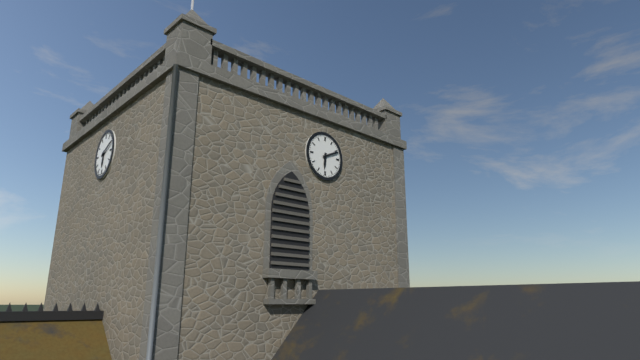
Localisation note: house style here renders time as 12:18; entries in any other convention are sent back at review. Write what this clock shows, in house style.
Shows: 6:11
